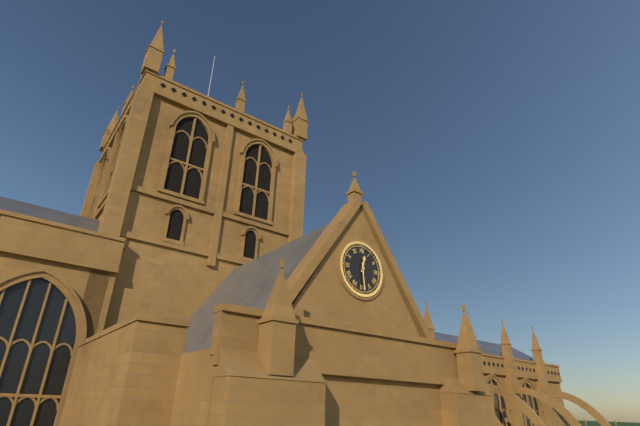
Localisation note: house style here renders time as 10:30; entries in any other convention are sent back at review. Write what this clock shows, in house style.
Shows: 12:29
